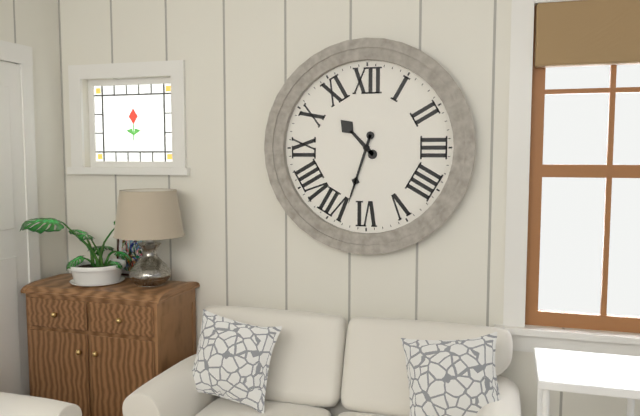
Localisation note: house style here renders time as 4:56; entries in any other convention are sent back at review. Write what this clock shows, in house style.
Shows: 10:33
